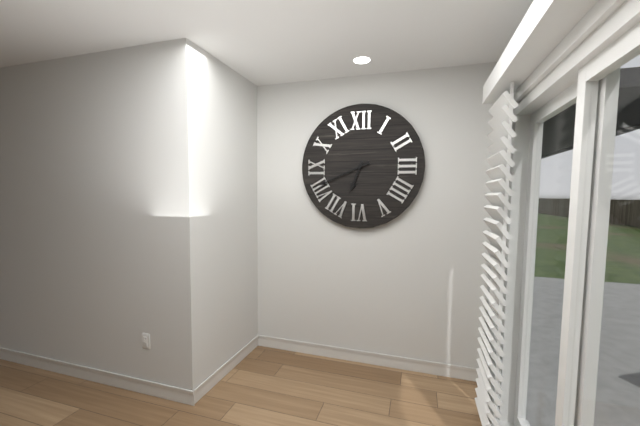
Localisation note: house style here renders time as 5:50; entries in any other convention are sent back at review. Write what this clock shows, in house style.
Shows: 6:41
